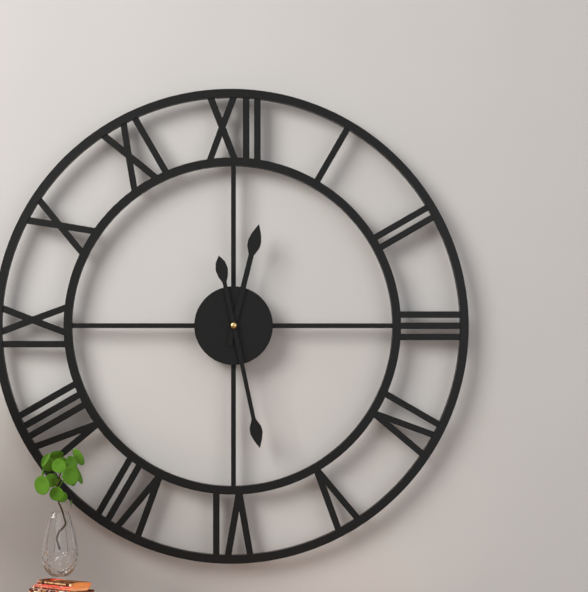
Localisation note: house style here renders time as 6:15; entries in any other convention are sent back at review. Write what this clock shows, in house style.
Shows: 12:28
